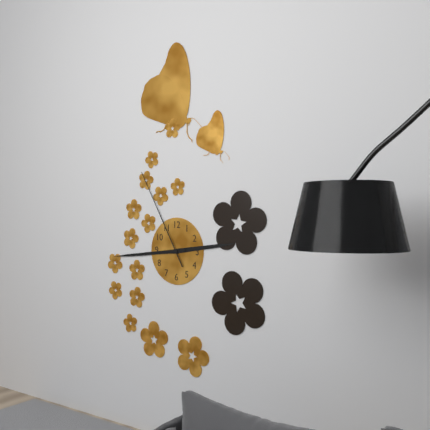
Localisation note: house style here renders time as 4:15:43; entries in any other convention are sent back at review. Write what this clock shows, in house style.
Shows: 2:44:55
